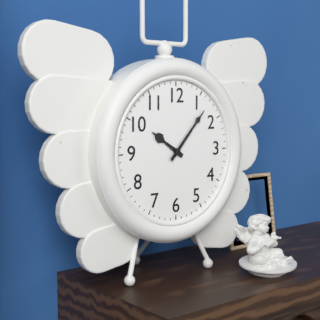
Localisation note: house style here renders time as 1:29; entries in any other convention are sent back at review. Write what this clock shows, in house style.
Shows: 10:07
